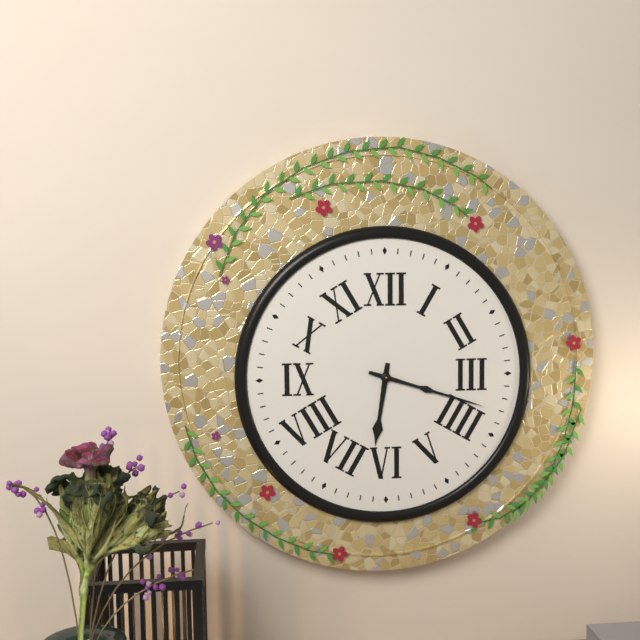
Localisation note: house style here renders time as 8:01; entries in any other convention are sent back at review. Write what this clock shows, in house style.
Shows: 6:18
